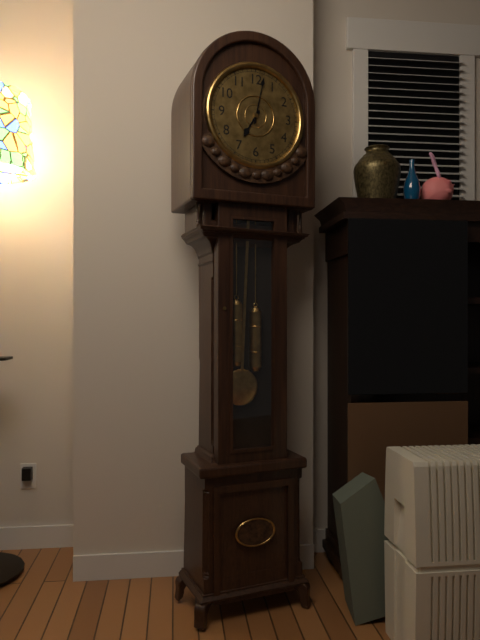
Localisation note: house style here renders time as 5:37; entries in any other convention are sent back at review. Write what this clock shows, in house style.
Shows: 7:02
